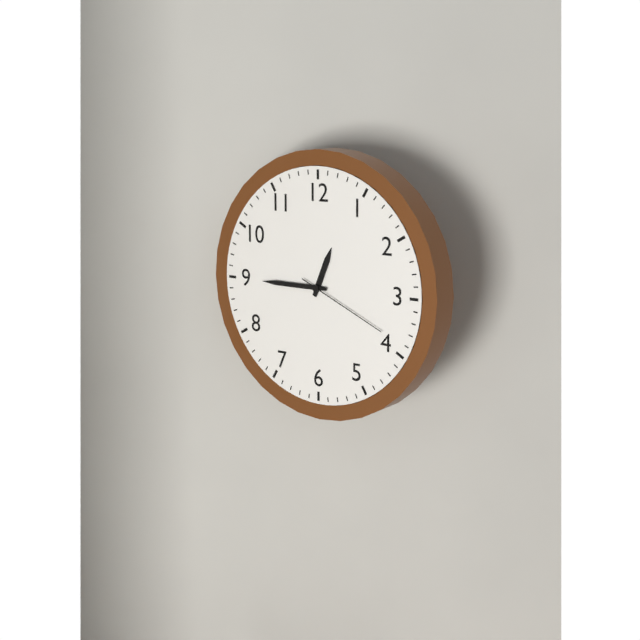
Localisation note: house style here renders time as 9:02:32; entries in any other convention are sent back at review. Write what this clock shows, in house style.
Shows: 12:45:19
